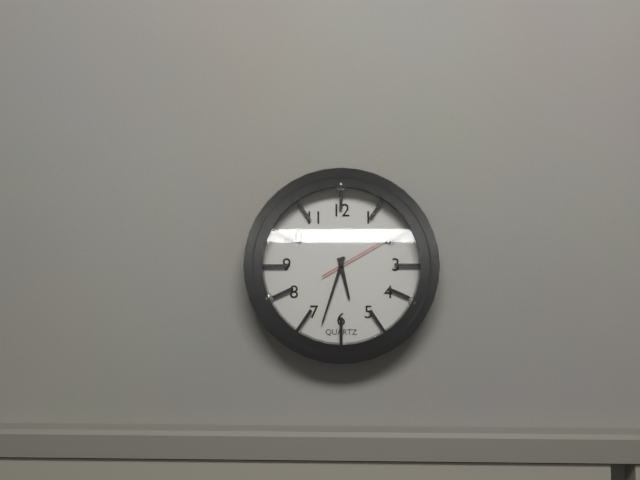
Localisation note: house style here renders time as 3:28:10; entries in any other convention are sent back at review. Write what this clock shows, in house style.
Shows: 5:33:10
